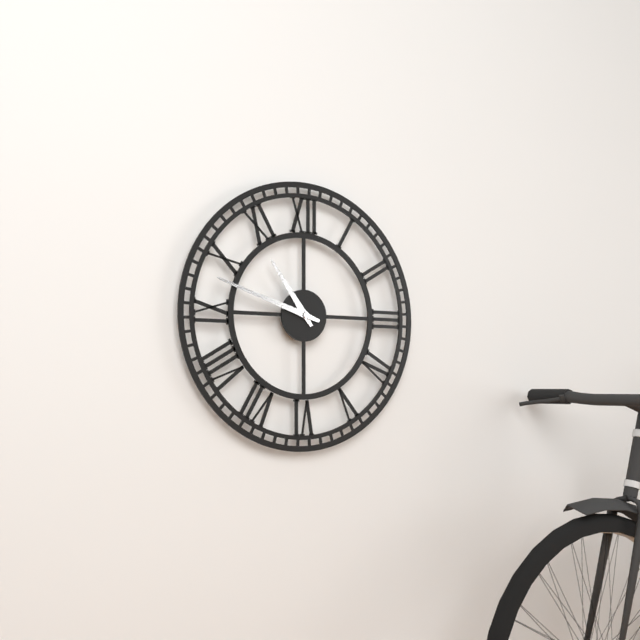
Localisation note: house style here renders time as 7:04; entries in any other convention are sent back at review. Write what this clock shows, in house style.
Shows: 10:48
